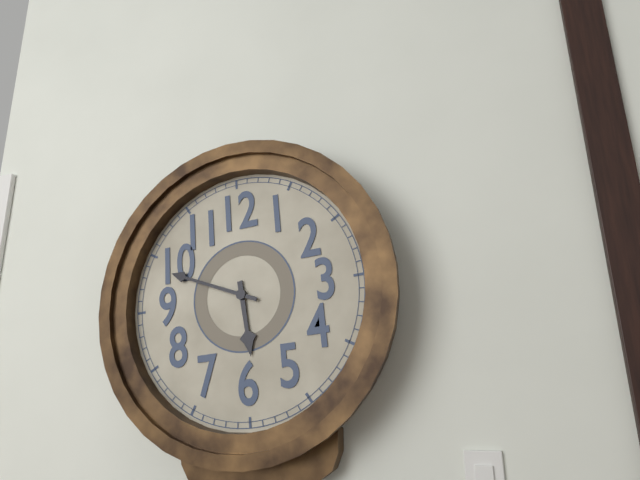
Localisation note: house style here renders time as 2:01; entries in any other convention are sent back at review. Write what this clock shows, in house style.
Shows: 5:49
